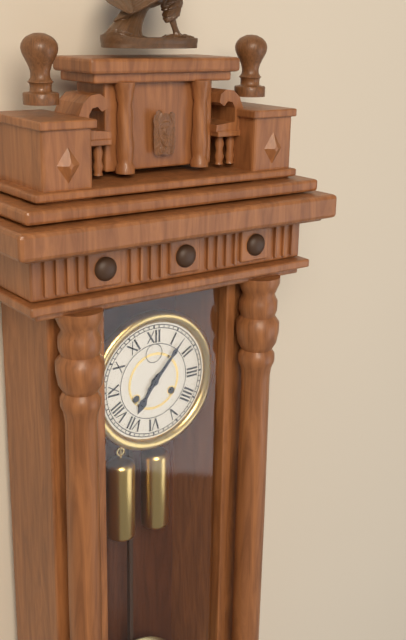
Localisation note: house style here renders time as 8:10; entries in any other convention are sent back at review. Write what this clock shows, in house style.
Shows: 7:07
